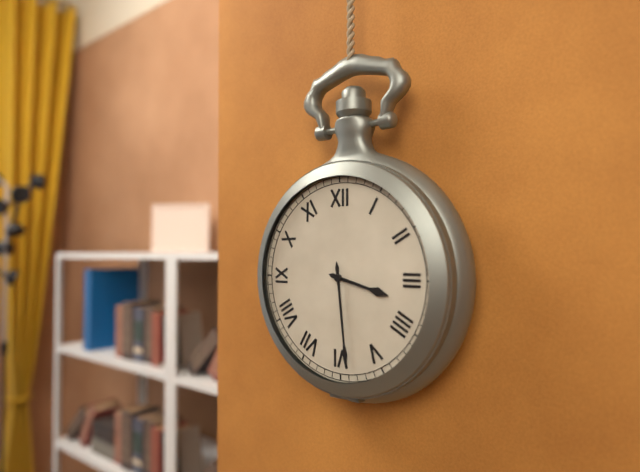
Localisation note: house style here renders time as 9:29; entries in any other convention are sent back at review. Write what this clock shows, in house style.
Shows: 3:29
